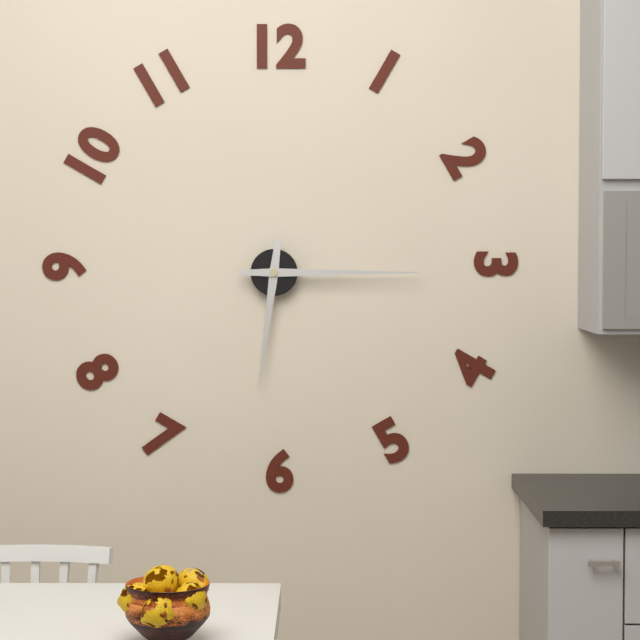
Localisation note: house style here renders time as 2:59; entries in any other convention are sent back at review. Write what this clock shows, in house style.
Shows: 6:15
